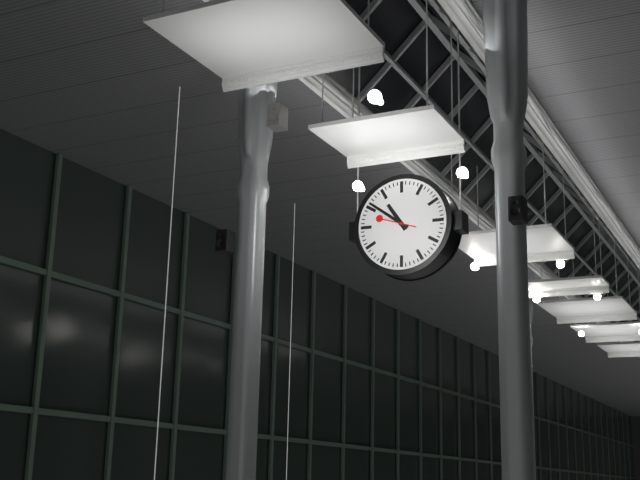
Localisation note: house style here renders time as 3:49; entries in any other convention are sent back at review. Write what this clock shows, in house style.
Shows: 10:51
